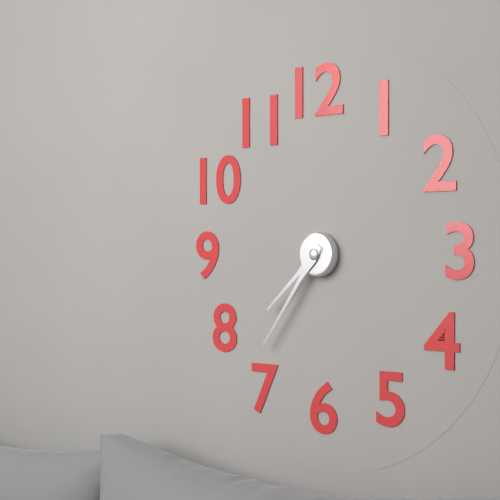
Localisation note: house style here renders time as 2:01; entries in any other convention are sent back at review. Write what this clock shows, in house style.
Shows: 7:36
